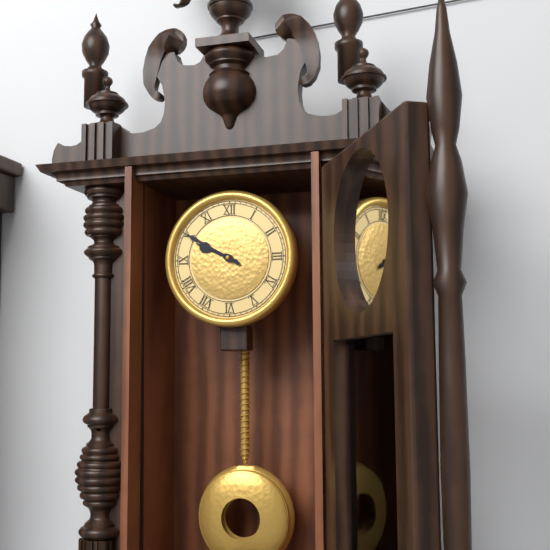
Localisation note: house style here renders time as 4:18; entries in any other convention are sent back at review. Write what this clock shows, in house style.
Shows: 9:50
